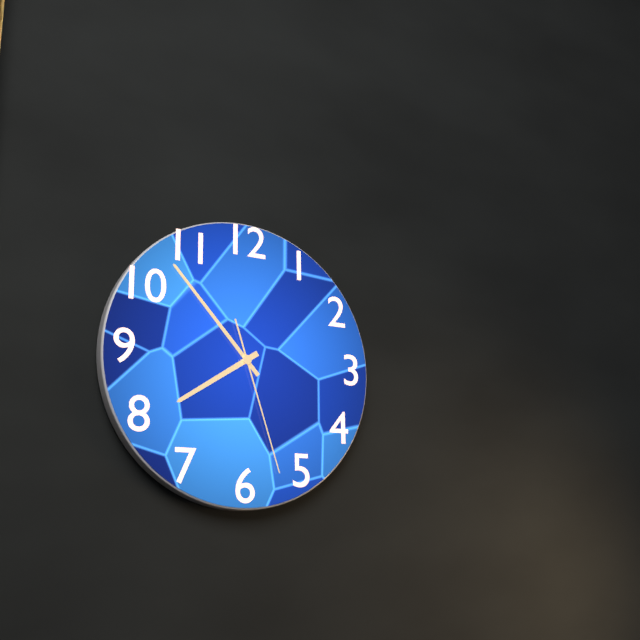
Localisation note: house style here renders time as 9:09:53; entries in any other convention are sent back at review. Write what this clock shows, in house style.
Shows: 7:53:27
